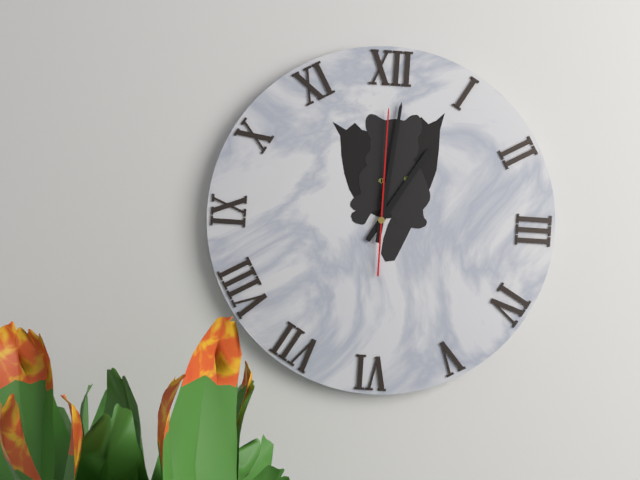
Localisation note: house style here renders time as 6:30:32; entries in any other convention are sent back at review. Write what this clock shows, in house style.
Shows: 1:01:00
